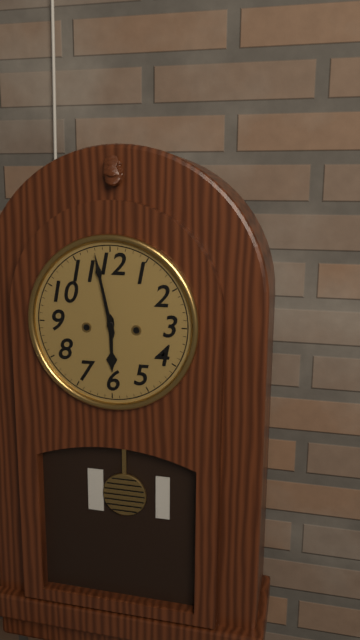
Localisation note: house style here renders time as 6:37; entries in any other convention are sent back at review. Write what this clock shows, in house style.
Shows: 5:58
